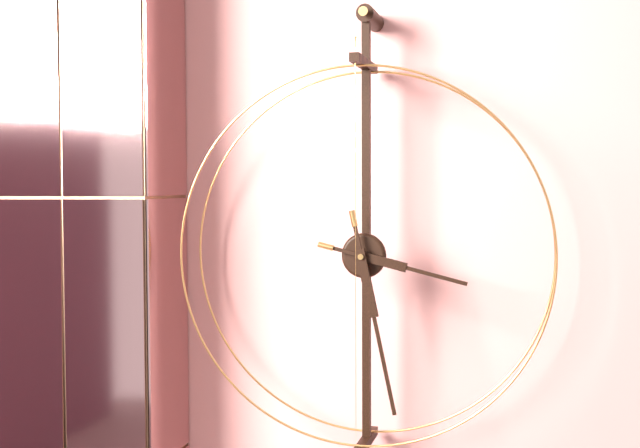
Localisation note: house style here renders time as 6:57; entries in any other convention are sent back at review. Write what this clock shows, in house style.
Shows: 3:28
